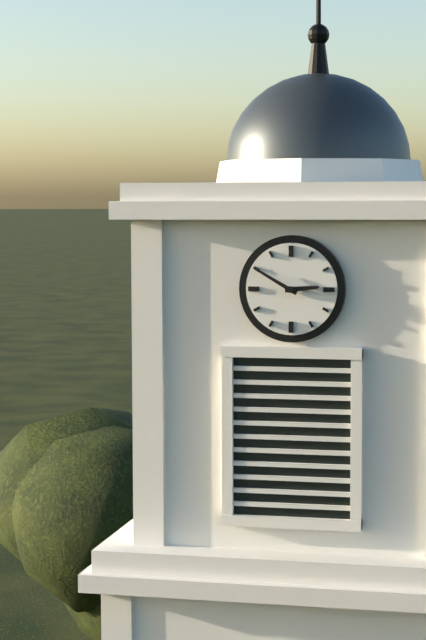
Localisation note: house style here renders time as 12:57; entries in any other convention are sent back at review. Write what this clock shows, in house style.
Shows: 2:50
